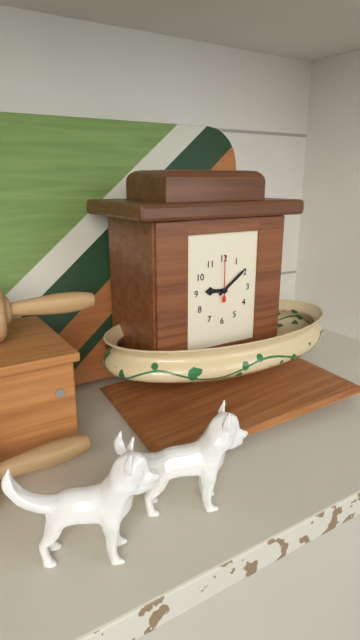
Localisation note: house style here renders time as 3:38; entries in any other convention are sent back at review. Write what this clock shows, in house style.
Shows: 9:09
